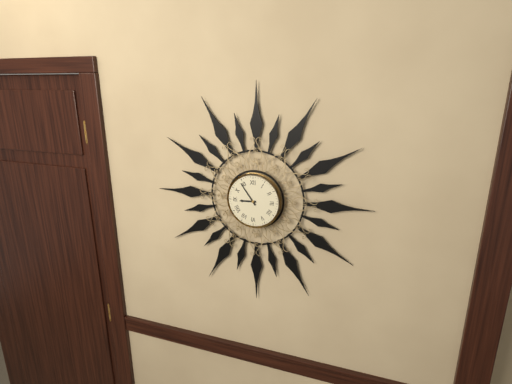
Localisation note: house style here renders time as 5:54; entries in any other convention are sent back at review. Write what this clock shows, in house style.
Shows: 8:54
